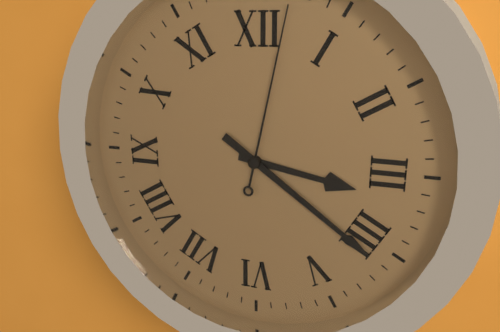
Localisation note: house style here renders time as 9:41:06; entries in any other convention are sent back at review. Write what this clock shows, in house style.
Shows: 3:21:02
